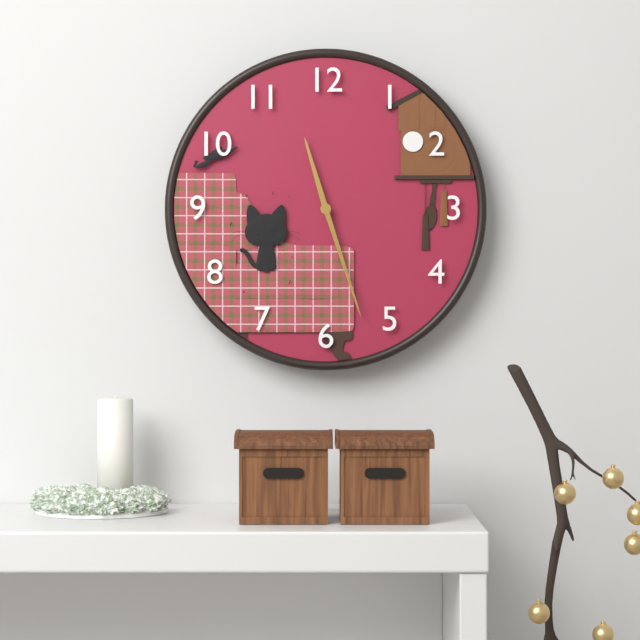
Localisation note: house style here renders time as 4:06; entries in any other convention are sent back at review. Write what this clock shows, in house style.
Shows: 11:27
